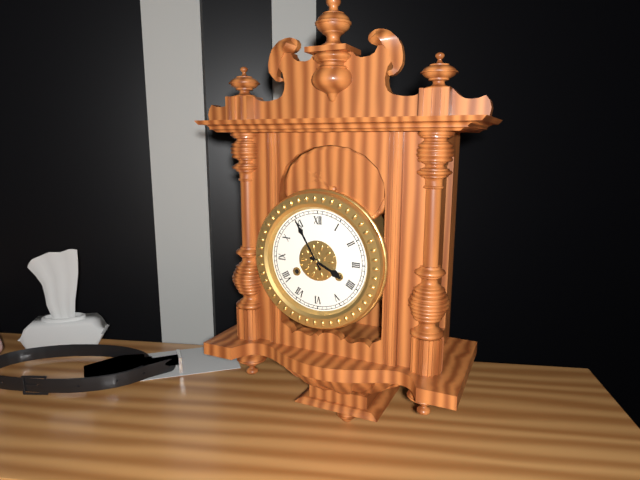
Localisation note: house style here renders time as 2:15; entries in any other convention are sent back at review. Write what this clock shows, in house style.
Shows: 3:55
